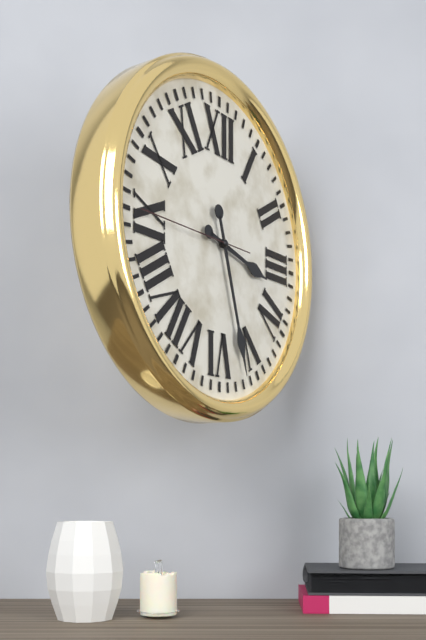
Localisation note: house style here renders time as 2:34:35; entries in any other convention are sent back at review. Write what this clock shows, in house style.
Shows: 3:27:45
